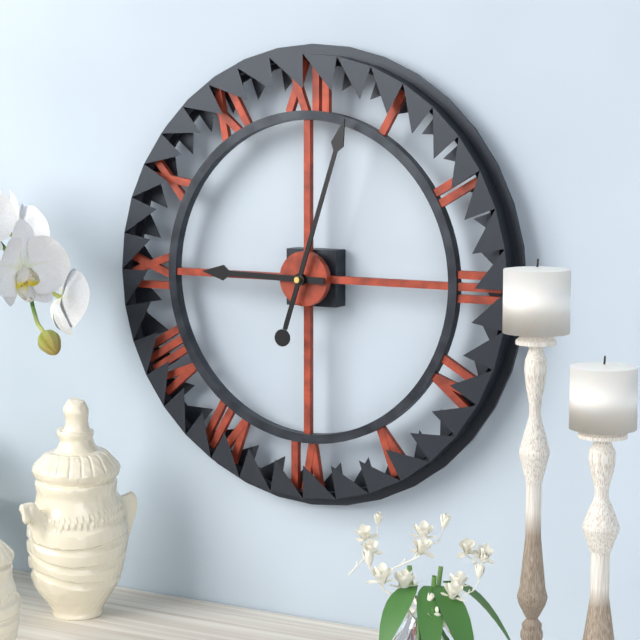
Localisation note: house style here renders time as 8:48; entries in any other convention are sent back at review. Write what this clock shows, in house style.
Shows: 9:03
